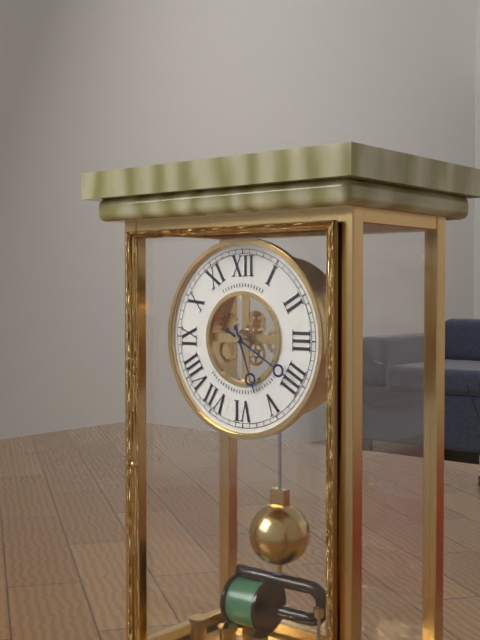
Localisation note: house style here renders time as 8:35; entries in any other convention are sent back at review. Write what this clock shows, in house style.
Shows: 5:20
